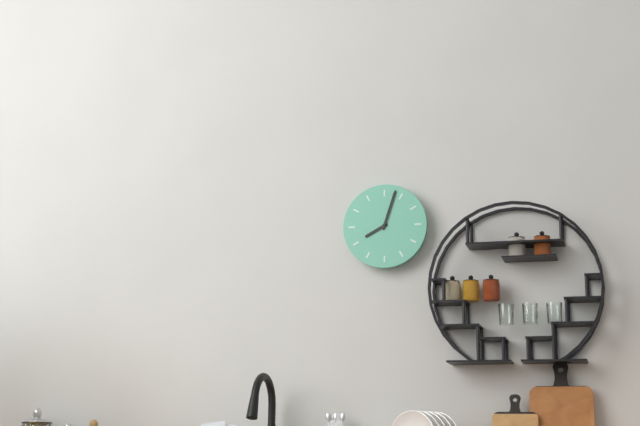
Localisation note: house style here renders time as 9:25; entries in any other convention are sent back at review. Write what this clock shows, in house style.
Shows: 8:03
